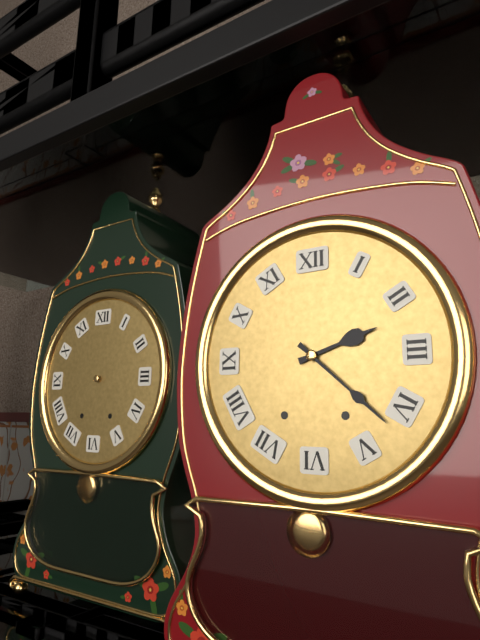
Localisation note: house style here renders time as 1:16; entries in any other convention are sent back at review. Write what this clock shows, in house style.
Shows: 2:22
